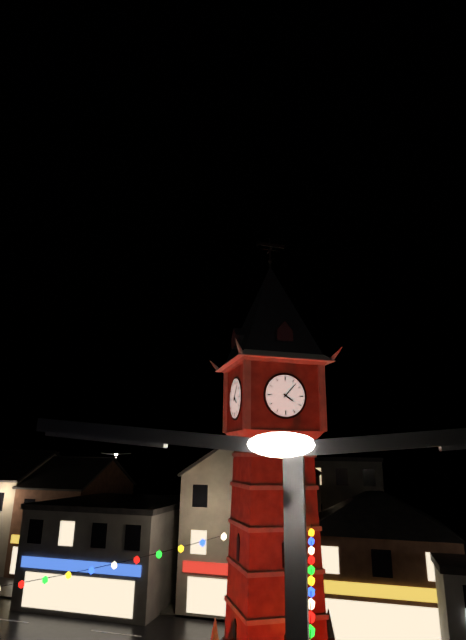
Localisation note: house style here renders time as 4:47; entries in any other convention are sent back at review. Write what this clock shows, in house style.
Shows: 4:07
